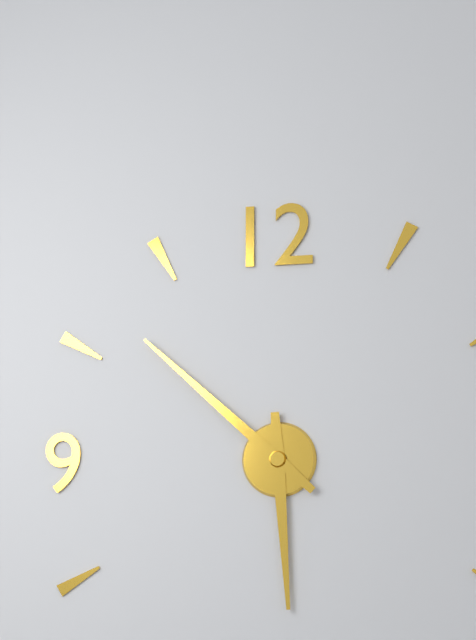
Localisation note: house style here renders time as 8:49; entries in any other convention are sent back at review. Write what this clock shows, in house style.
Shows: 5:52
